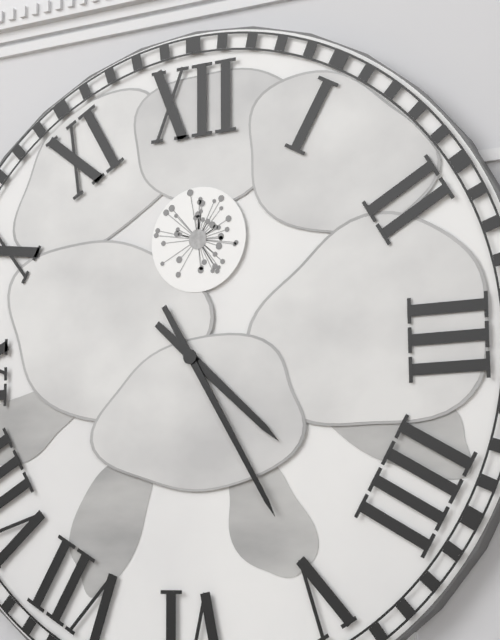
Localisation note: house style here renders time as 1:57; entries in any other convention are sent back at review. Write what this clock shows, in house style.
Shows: 4:25
